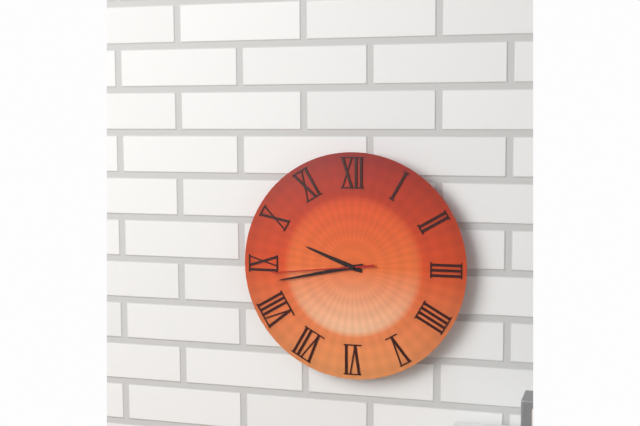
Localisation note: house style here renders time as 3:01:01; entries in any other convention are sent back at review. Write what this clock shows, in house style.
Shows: 9:43:44
